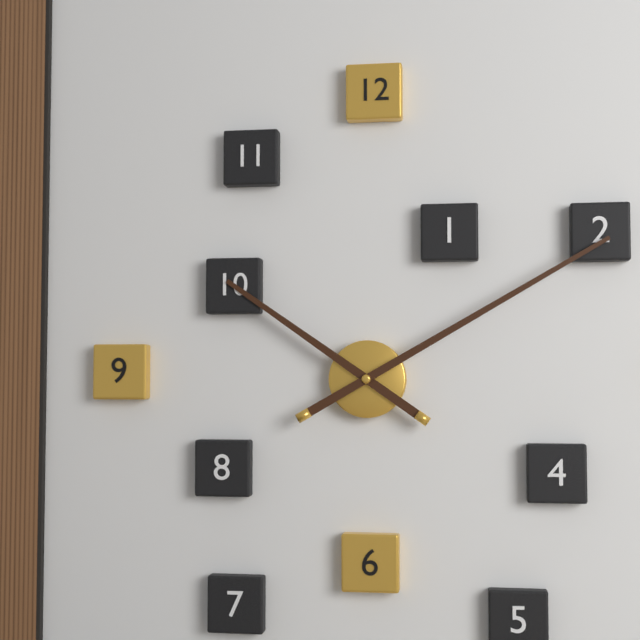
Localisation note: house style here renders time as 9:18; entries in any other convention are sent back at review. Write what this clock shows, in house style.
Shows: 10:10
